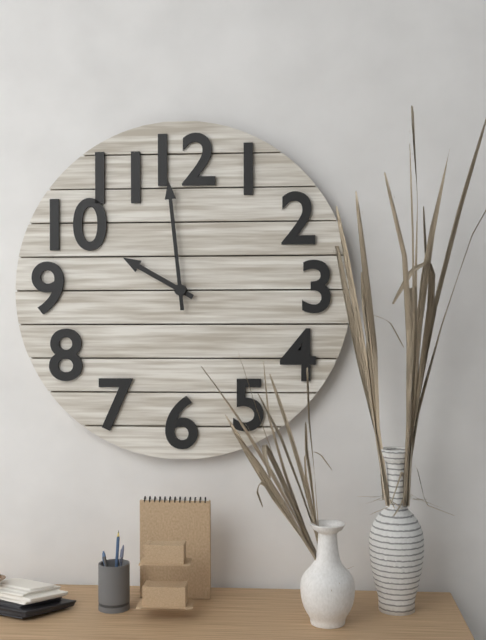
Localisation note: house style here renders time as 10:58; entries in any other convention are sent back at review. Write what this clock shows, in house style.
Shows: 9:59
